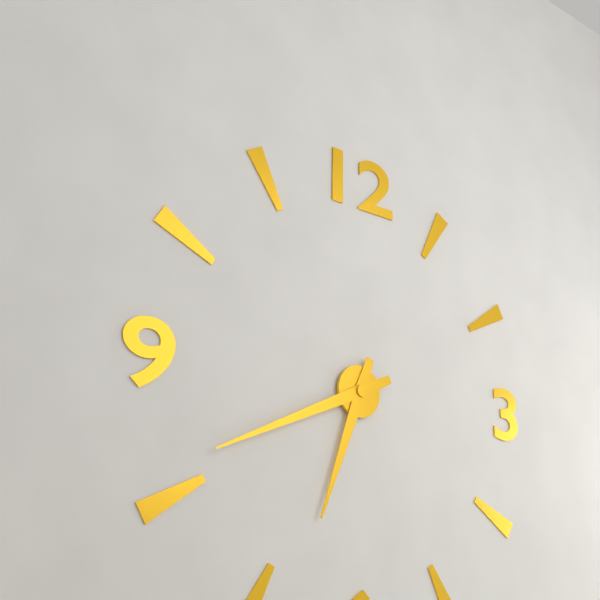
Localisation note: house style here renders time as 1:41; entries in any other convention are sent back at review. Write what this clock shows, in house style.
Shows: 6:41
